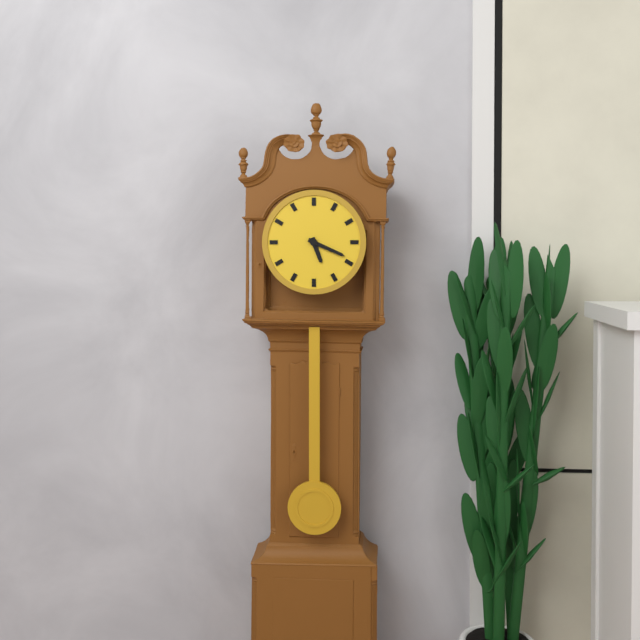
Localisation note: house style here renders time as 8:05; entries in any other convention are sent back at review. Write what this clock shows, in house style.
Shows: 5:19
